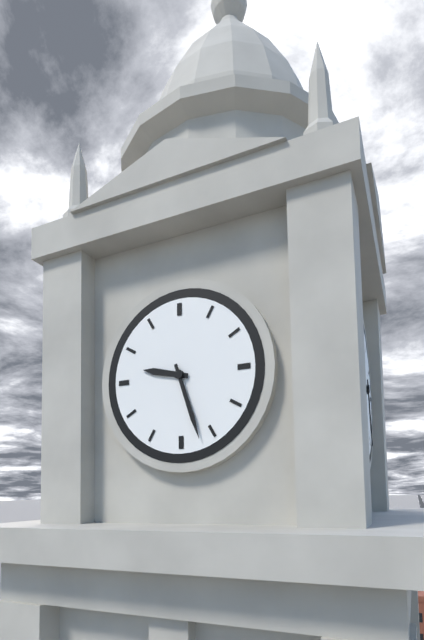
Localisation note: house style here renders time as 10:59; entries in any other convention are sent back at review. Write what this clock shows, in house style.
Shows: 9:27
